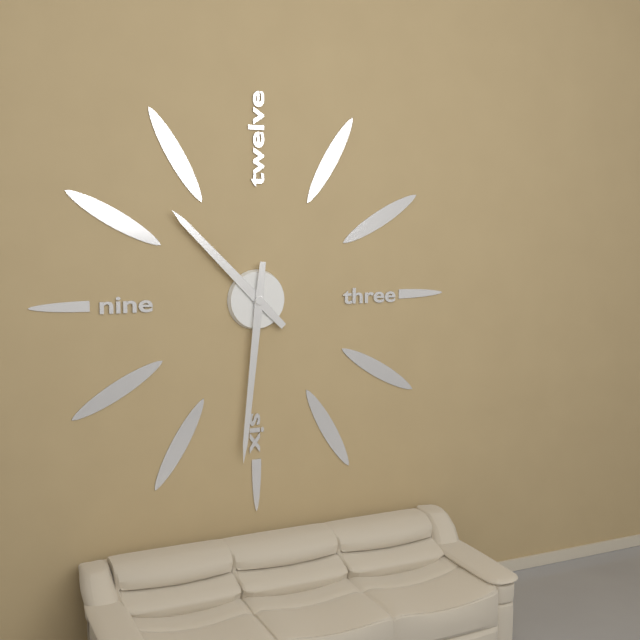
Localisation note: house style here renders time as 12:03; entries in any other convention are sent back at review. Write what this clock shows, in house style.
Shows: 10:31
